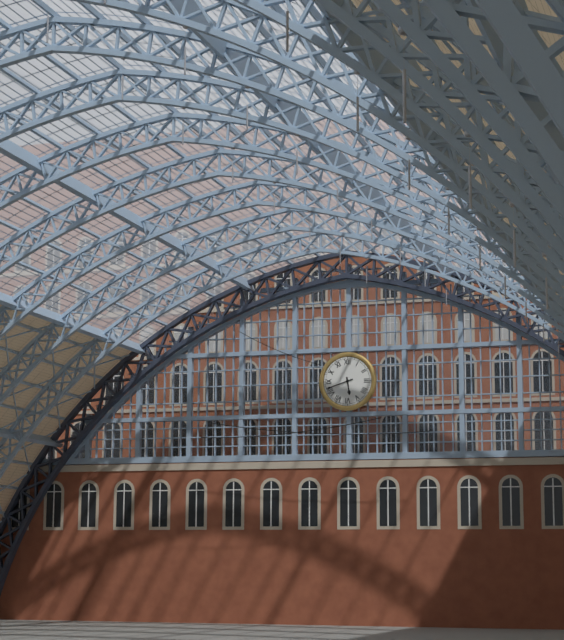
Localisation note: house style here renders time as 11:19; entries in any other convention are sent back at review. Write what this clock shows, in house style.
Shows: 5:42
